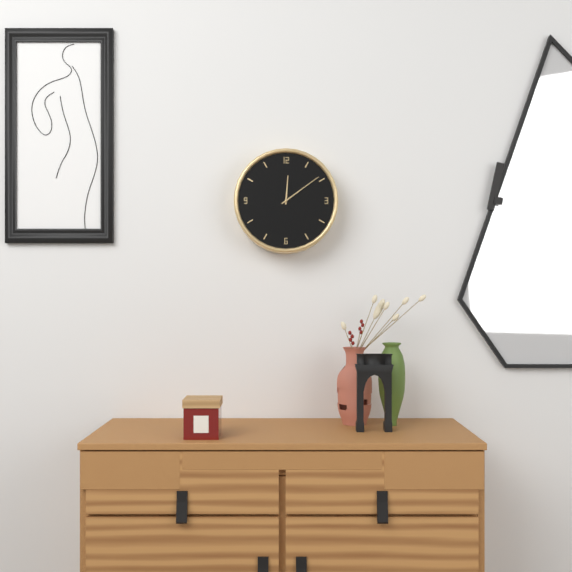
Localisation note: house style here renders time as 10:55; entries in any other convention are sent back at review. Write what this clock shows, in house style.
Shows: 12:09
